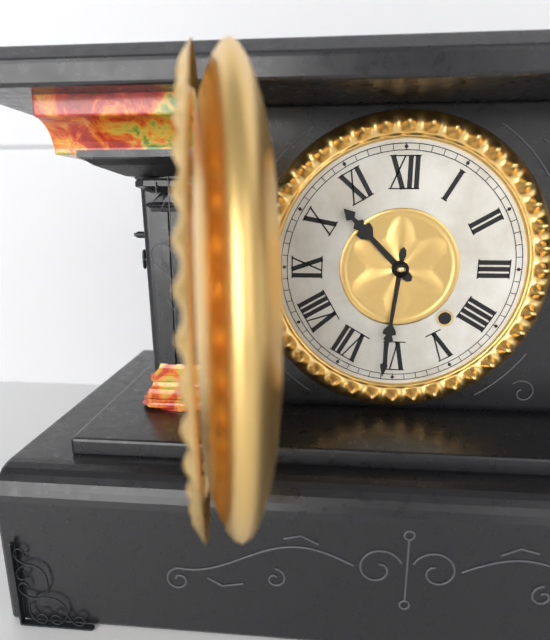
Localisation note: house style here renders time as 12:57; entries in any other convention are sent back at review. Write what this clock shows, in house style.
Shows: 10:31
